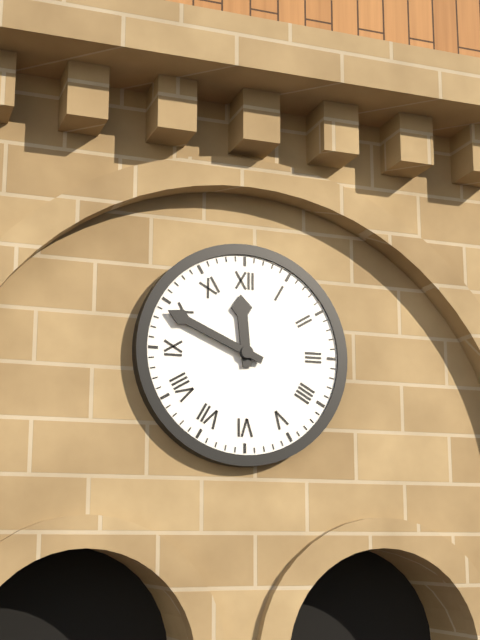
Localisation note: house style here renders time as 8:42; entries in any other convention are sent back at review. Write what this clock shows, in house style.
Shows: 11:49
